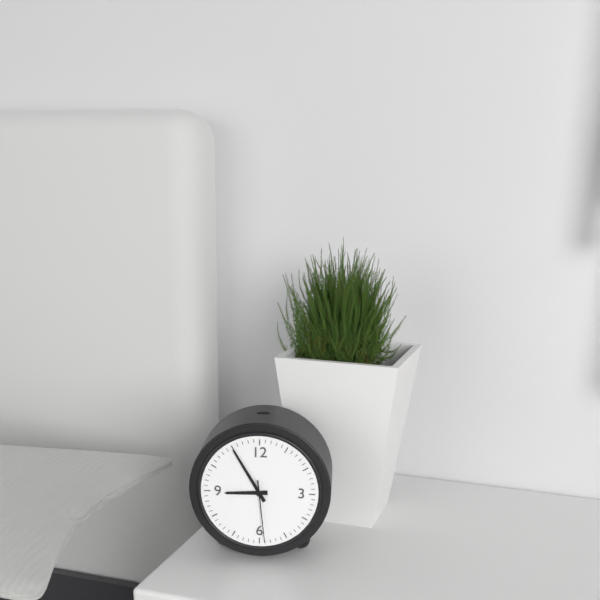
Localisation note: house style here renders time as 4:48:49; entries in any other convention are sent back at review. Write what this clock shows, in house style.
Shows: 8:55:29
